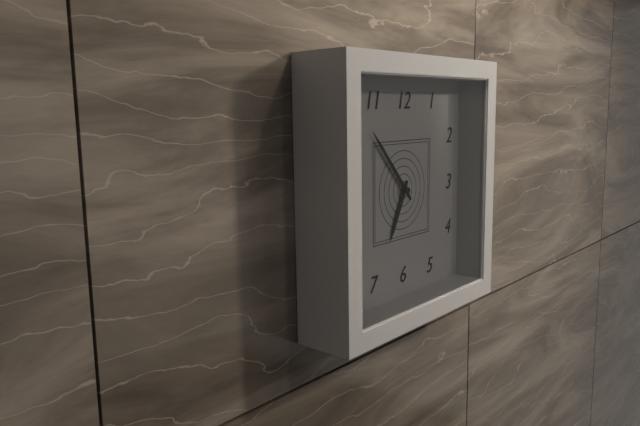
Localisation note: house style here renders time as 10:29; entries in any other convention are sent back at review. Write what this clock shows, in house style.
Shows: 6:53
